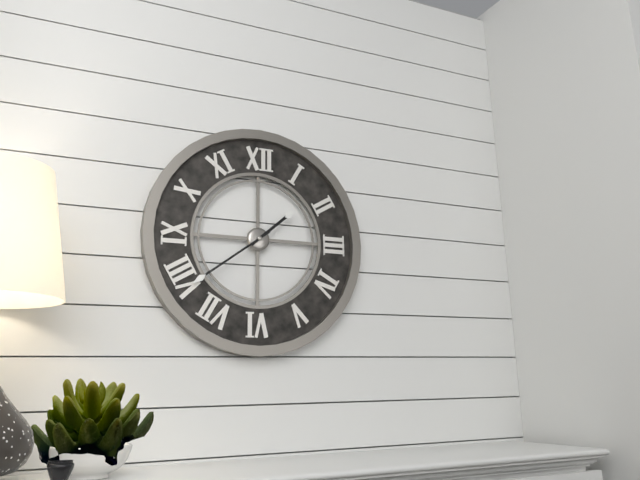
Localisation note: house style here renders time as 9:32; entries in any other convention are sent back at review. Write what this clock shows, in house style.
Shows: 1:39
